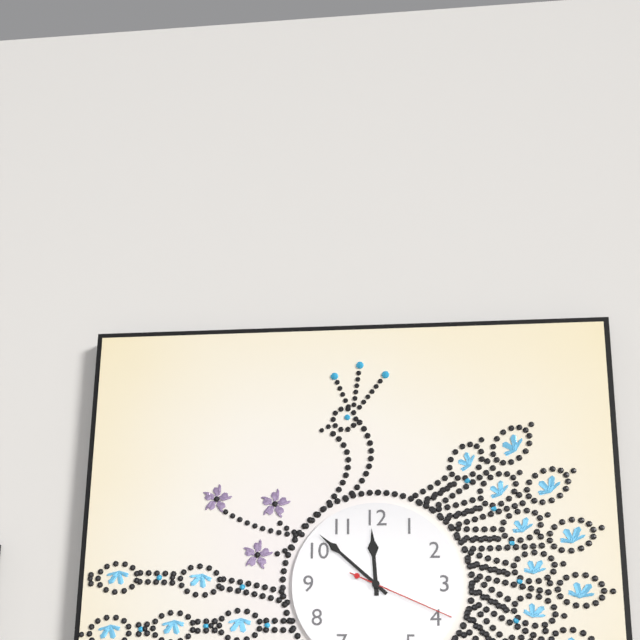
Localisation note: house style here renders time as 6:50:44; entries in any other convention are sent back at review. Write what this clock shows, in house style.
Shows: 11:52:19
